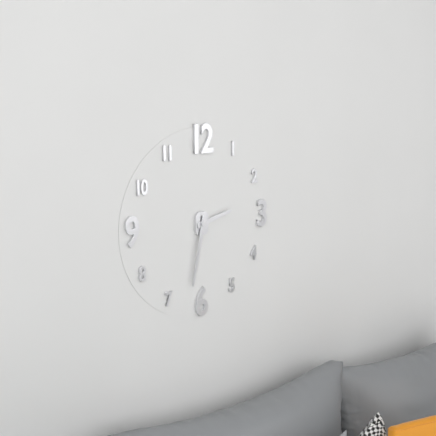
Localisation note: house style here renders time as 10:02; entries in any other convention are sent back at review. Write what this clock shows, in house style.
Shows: 2:32
